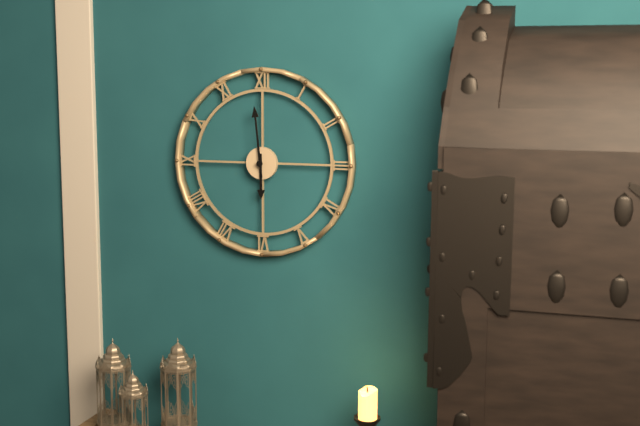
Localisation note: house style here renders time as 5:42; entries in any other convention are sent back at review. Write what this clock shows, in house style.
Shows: 5:59
